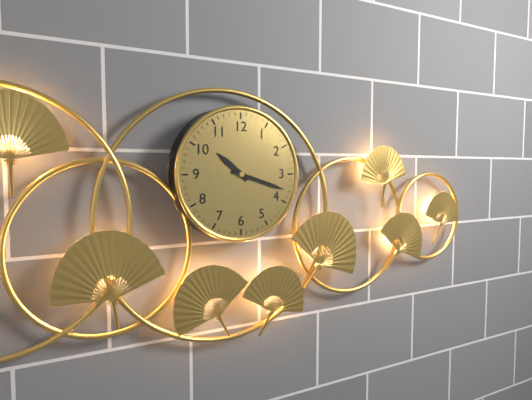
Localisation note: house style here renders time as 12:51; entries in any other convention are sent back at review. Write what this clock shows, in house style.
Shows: 10:18
